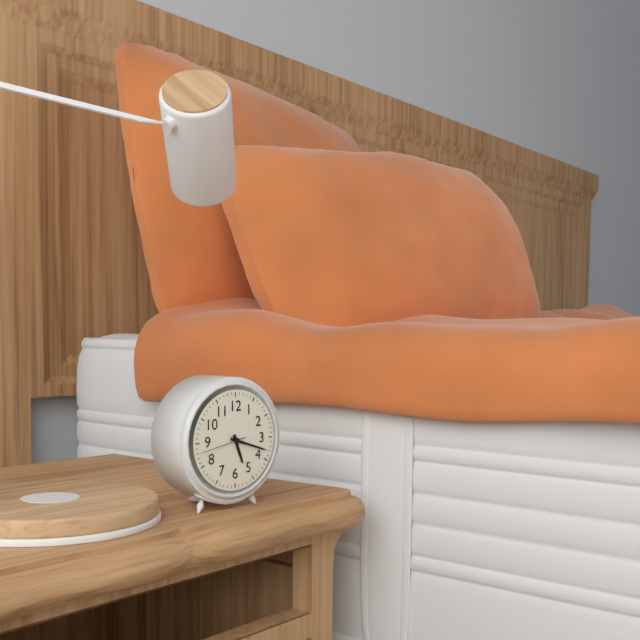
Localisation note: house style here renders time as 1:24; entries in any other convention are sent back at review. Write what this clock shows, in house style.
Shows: 5:18
